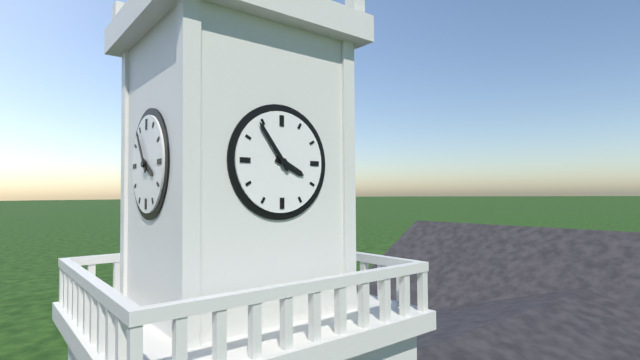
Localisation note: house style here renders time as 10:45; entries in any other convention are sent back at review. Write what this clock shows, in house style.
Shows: 3:54
